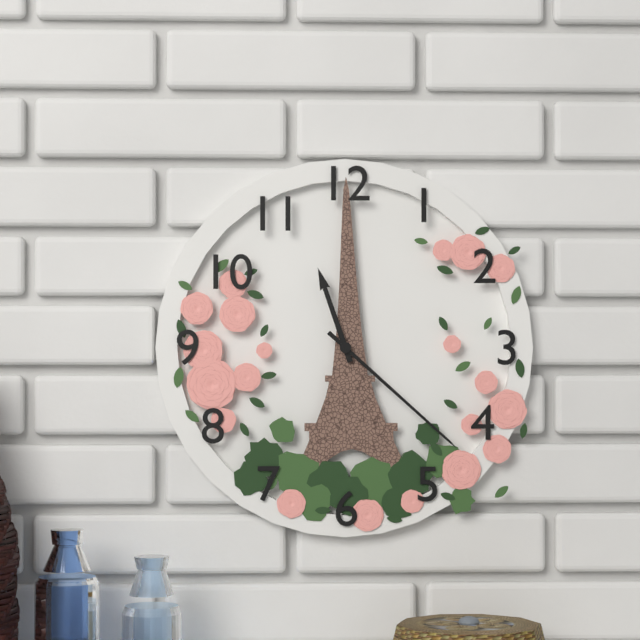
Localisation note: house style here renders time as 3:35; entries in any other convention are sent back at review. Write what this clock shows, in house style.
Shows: 11:22
